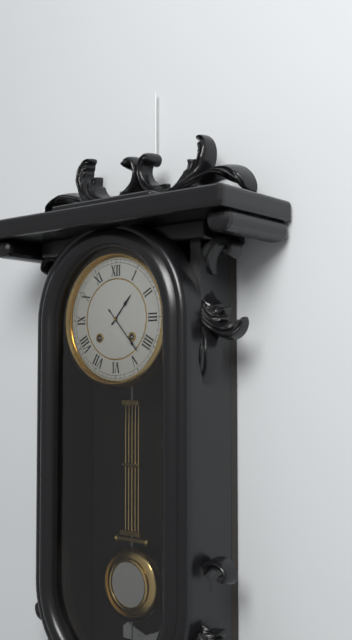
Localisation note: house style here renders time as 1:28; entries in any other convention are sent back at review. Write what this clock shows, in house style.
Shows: 1:23
